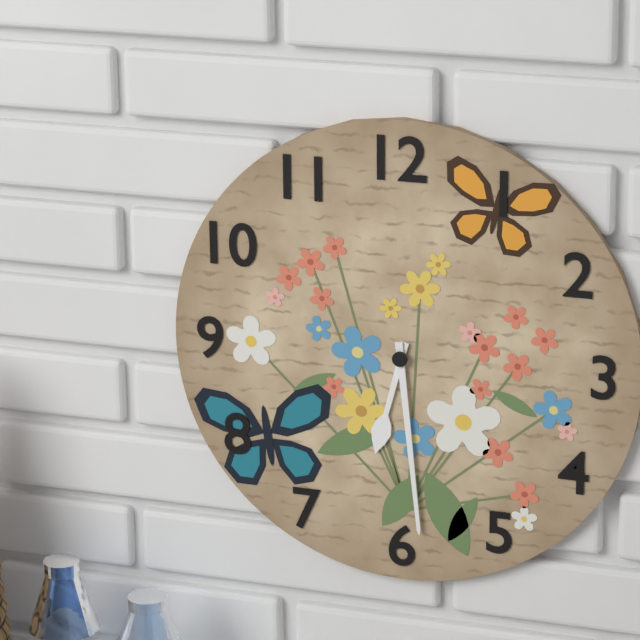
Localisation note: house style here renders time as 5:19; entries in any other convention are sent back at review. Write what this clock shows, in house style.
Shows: 6:29
